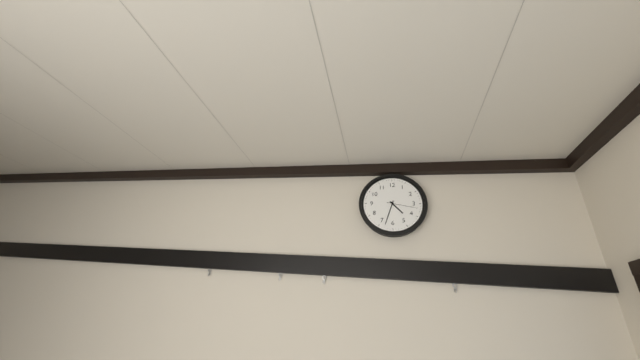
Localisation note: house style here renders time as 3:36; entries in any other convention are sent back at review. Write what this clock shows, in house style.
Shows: 4:33
